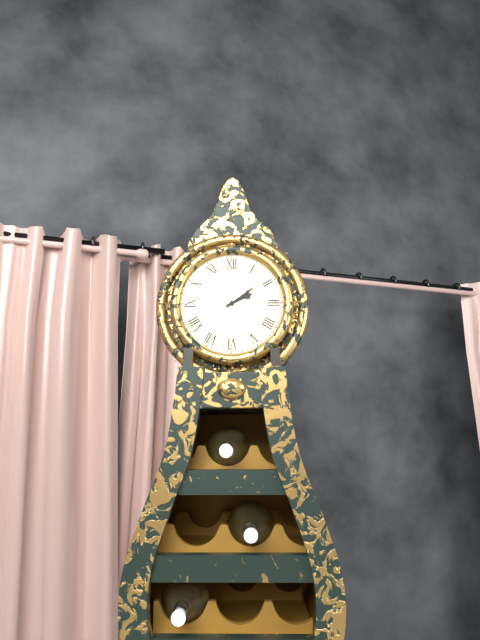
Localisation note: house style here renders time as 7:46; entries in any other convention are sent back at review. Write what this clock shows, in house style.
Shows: 2:09
